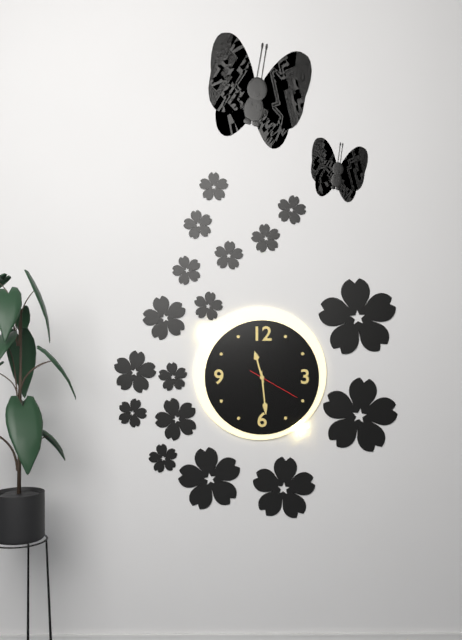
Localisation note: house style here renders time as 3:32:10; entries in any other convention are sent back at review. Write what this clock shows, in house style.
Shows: 11:29:20
